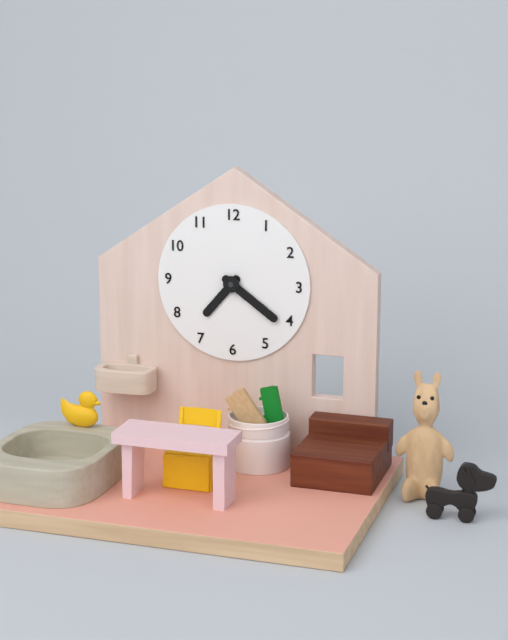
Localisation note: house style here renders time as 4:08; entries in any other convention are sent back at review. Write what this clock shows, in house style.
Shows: 7:21
